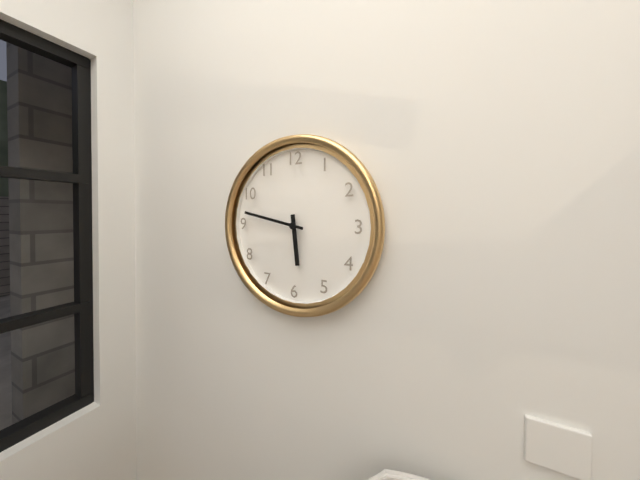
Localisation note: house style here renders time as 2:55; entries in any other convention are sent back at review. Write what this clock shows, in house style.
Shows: 5:47
